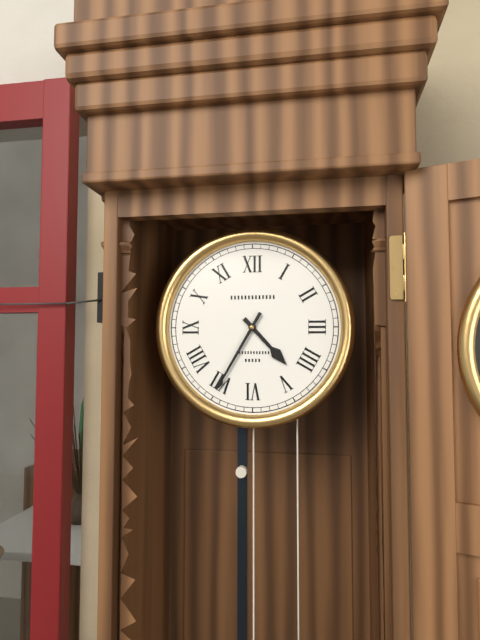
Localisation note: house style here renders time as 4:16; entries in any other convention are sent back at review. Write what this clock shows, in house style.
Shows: 4:35
